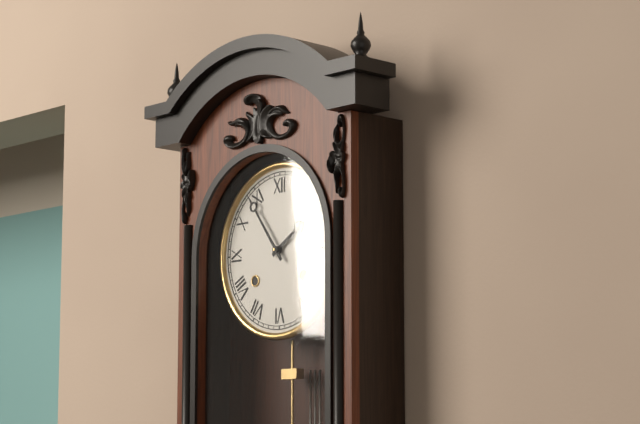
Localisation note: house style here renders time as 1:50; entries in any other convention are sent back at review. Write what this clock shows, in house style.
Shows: 1:54
